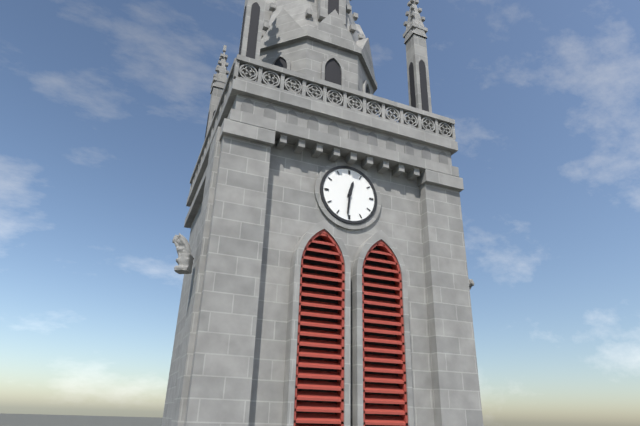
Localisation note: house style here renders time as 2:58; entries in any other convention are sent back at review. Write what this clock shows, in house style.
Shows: 12:31
